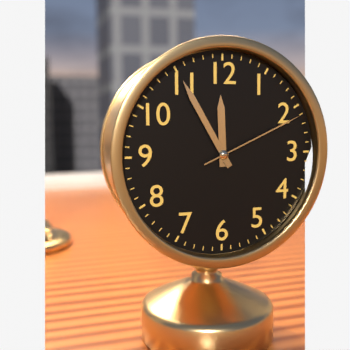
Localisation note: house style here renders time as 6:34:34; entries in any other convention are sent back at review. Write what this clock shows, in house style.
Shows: 11:55:11
